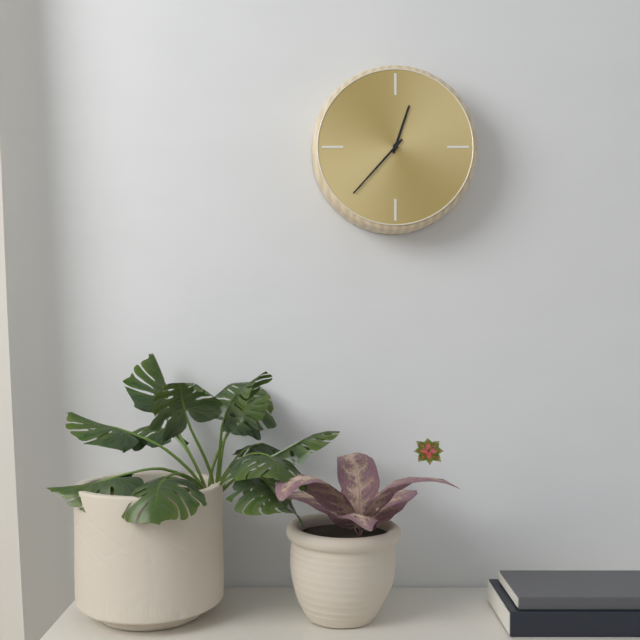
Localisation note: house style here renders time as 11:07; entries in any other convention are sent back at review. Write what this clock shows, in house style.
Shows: 12:37
